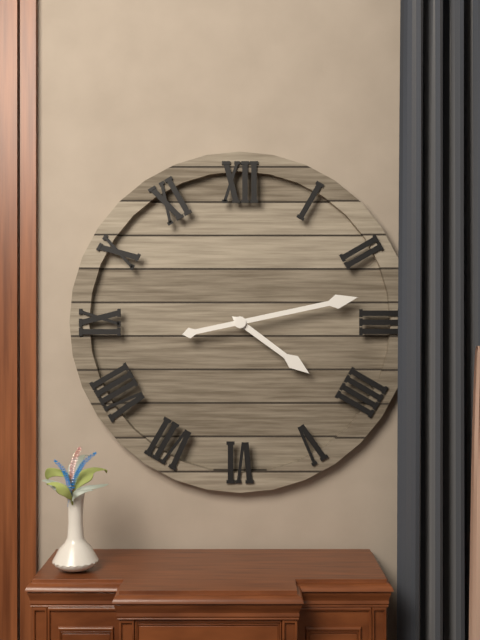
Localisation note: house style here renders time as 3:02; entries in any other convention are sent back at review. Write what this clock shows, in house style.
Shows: 4:13
